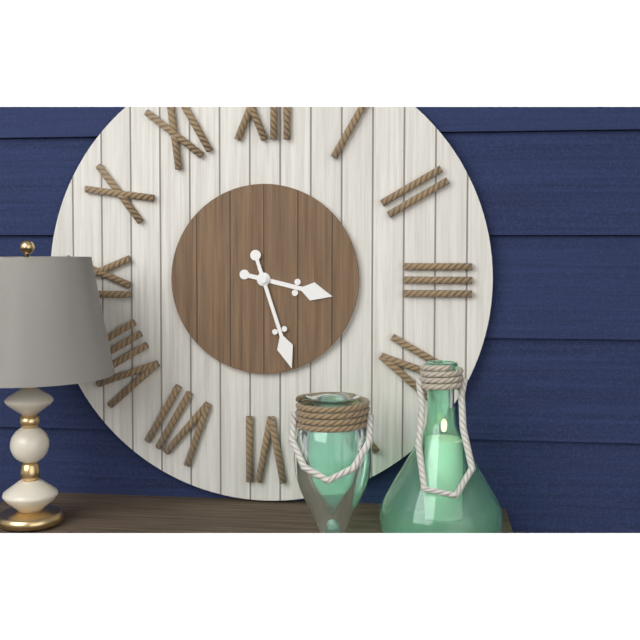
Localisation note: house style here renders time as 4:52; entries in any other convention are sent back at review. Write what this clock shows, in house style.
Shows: 3:27
